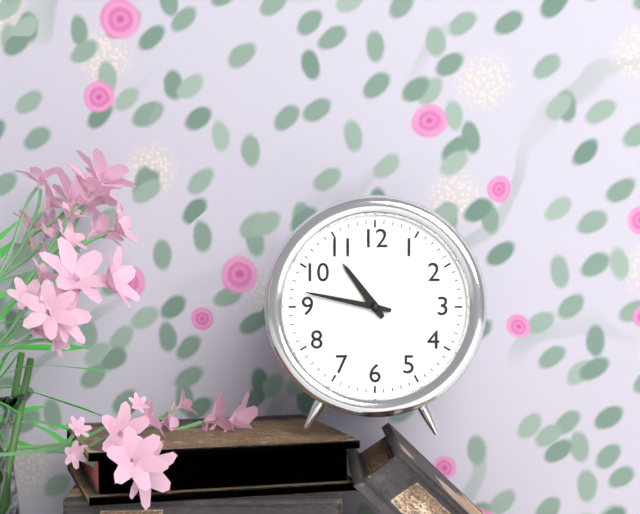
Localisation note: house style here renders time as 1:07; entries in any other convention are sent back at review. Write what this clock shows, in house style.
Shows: 10:47
